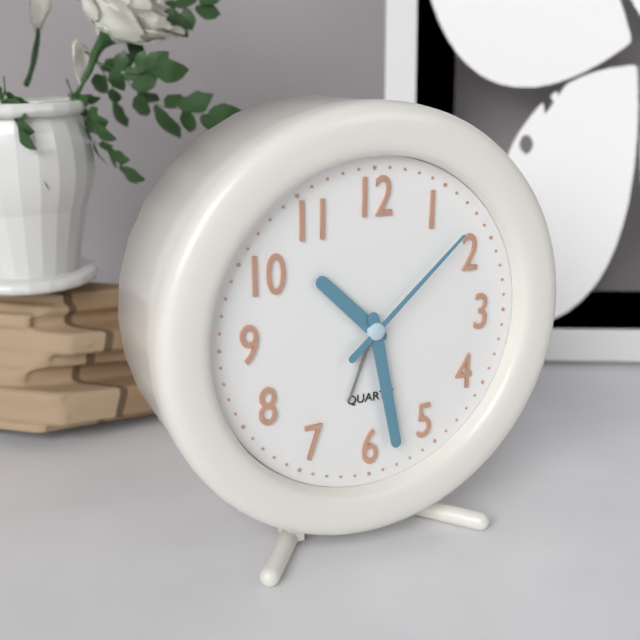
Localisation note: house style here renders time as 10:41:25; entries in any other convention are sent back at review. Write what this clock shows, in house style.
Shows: 10:28:08
